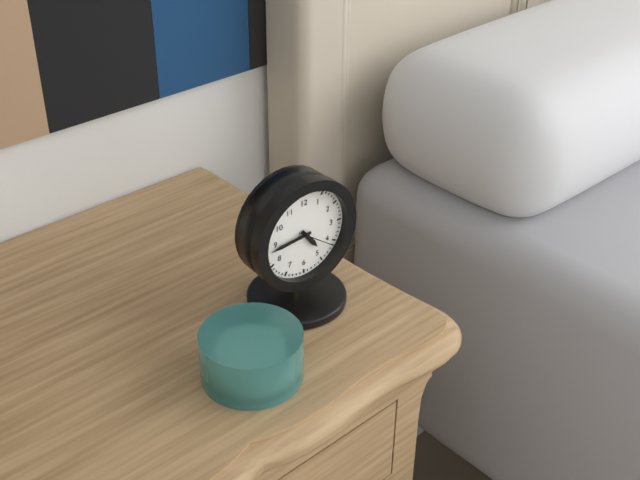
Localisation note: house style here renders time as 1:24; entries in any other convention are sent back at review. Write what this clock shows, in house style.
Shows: 4:44
